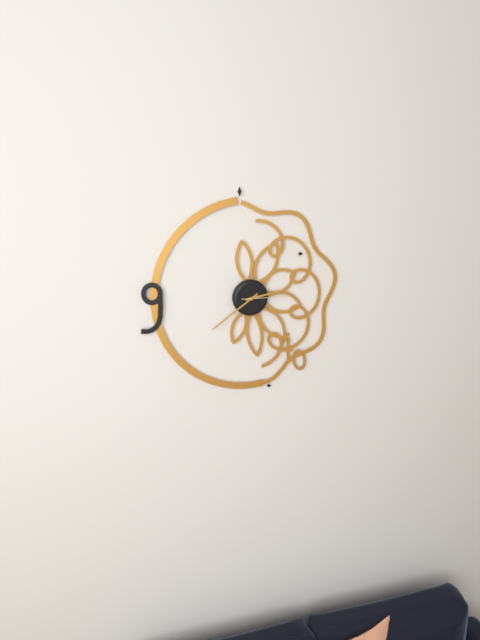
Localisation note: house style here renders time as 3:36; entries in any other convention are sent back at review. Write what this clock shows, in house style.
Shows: 2:39
